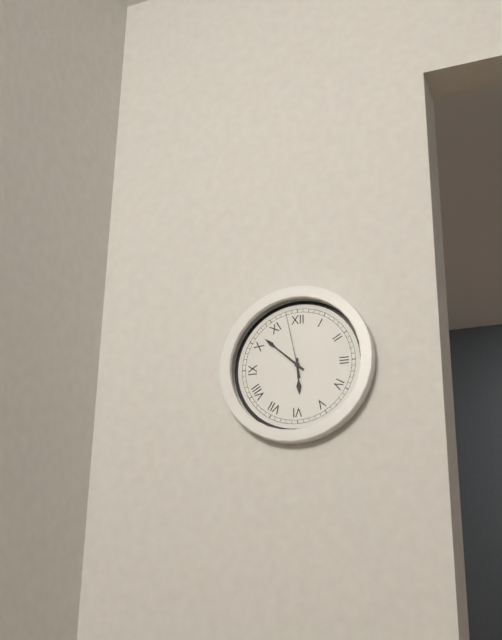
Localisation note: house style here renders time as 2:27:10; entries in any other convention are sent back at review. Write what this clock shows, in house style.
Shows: 5:52:58
